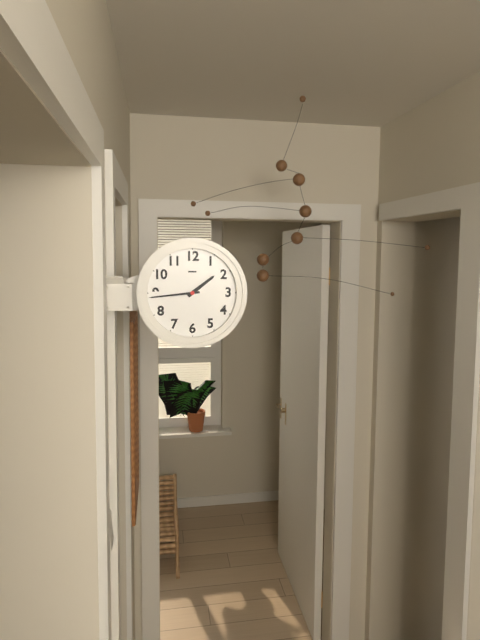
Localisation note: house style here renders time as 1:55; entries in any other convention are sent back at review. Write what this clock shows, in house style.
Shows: 1:44
